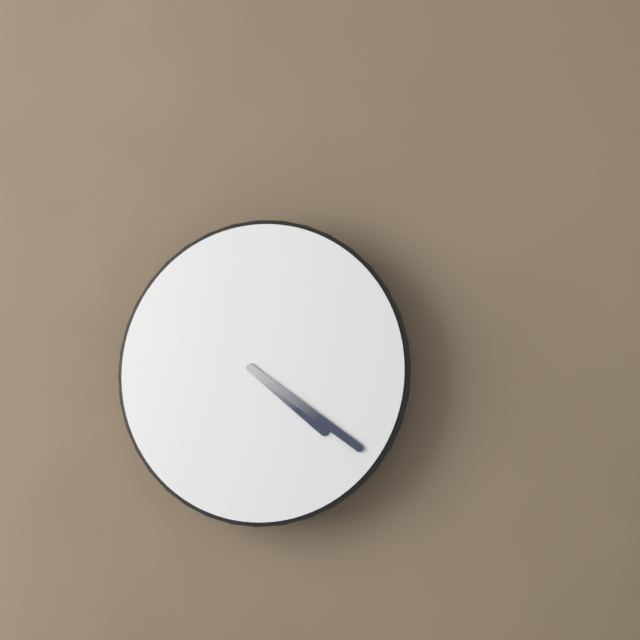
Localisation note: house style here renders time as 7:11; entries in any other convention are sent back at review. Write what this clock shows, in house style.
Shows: 4:21
